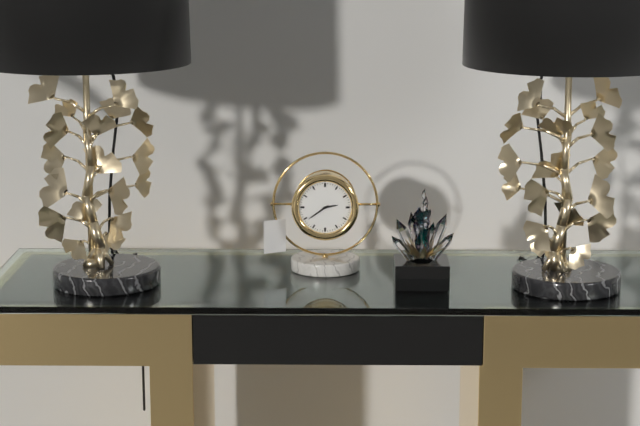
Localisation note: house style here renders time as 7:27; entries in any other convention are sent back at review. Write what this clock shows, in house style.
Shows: 2:39
